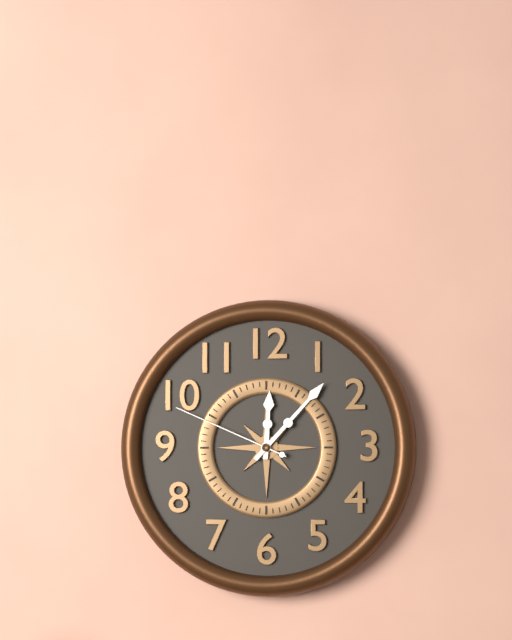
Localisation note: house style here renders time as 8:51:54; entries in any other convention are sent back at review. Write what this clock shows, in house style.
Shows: 12:07:49
